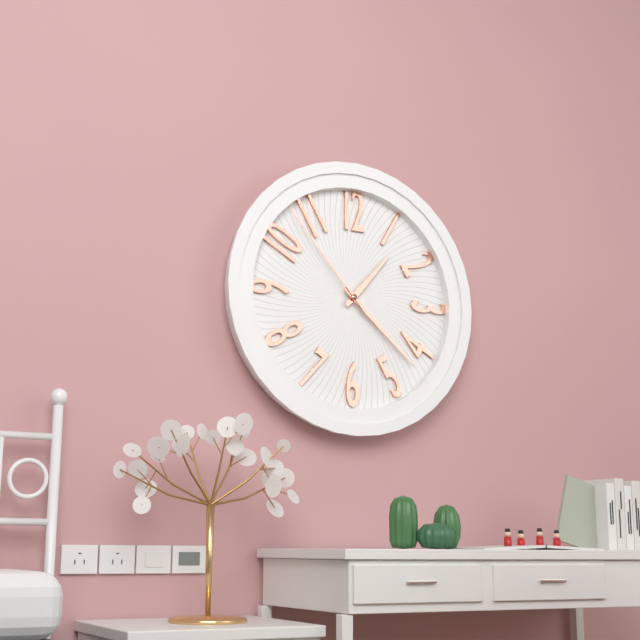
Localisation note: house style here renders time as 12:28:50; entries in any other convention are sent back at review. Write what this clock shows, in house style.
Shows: 1:22:53
